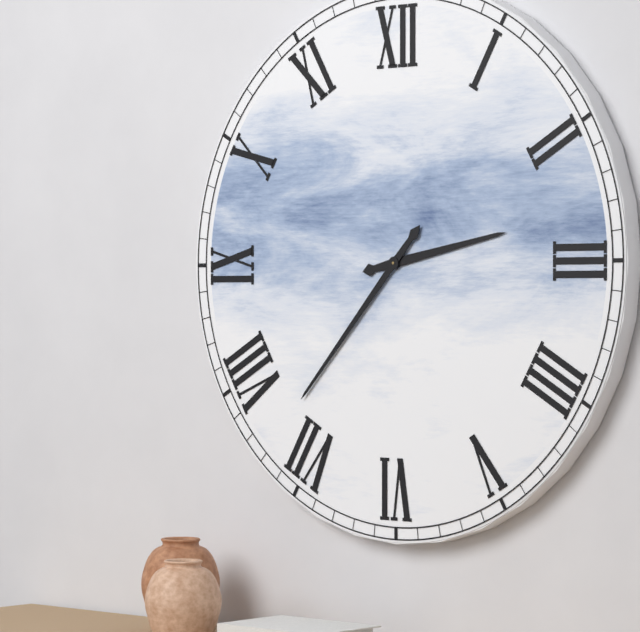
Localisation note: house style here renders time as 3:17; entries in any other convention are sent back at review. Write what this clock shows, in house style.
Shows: 2:37
